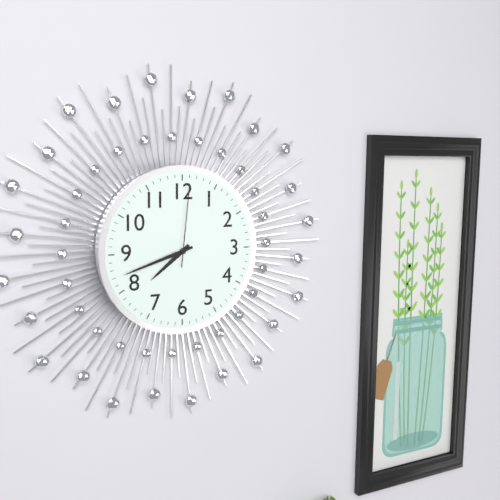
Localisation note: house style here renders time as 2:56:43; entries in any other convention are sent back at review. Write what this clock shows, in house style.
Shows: 7:42:01
